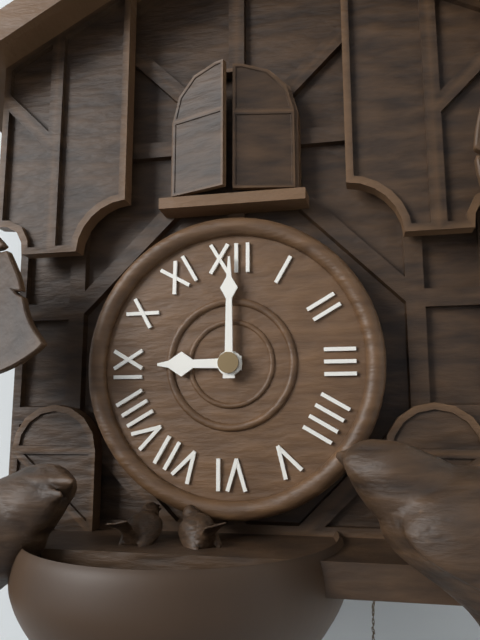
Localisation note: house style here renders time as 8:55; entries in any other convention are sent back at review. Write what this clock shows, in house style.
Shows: 9:00
